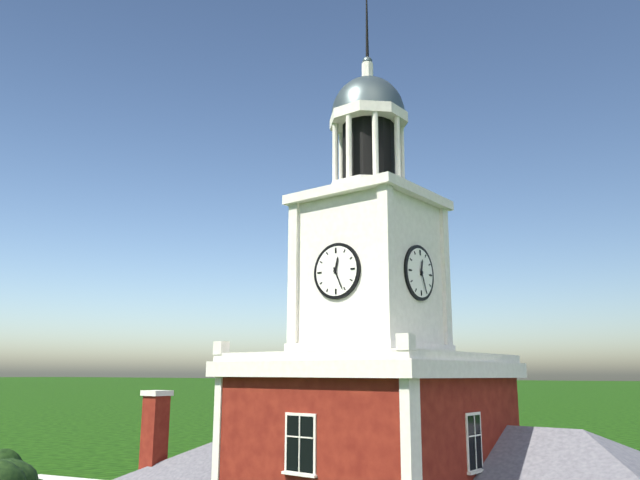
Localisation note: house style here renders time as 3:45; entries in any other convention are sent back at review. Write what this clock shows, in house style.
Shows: 12:26
